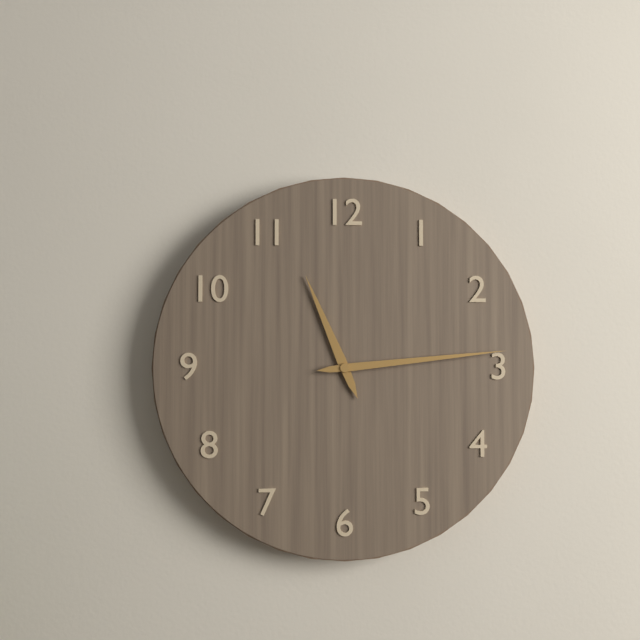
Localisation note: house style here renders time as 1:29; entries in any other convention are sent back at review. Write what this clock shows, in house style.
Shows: 11:14
